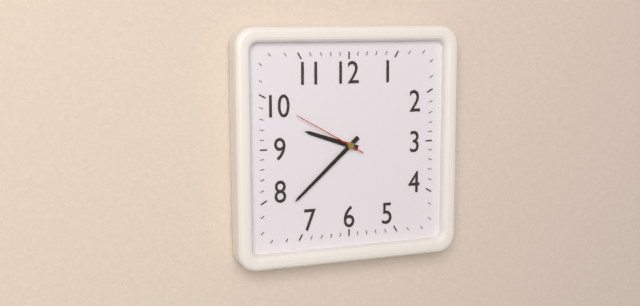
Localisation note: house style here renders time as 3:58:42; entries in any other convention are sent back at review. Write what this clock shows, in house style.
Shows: 9:38:50
